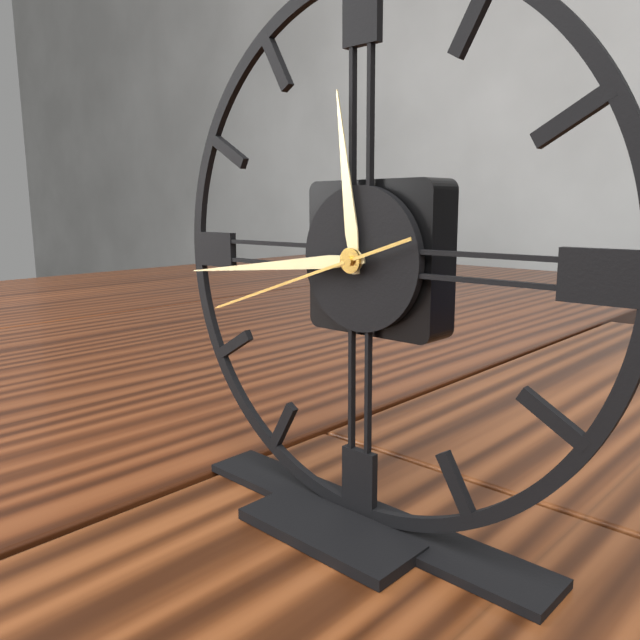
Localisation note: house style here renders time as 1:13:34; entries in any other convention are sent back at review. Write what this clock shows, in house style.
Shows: 11:44:42
